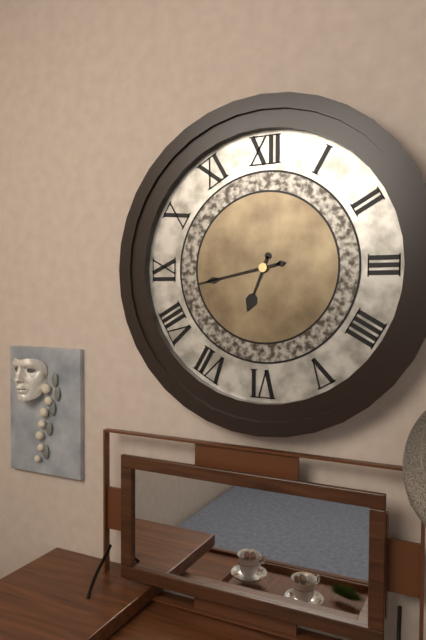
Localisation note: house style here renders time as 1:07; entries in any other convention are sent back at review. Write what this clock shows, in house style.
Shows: 6:43
